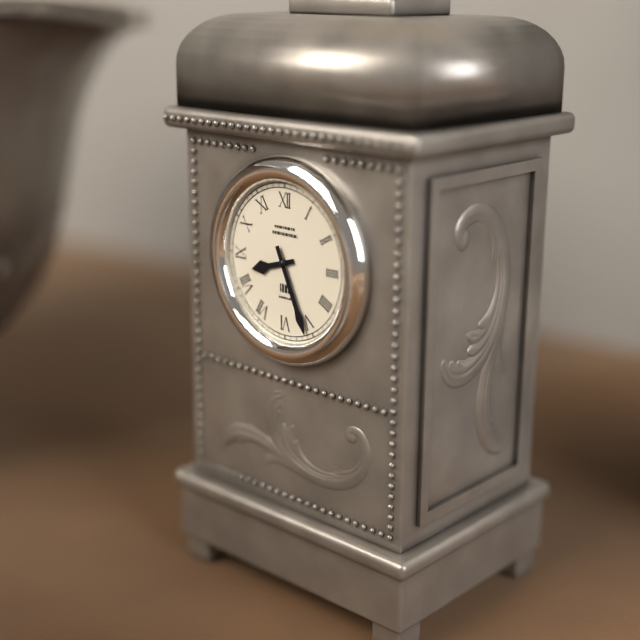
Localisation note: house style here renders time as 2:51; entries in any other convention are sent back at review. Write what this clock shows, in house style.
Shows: 8:26
